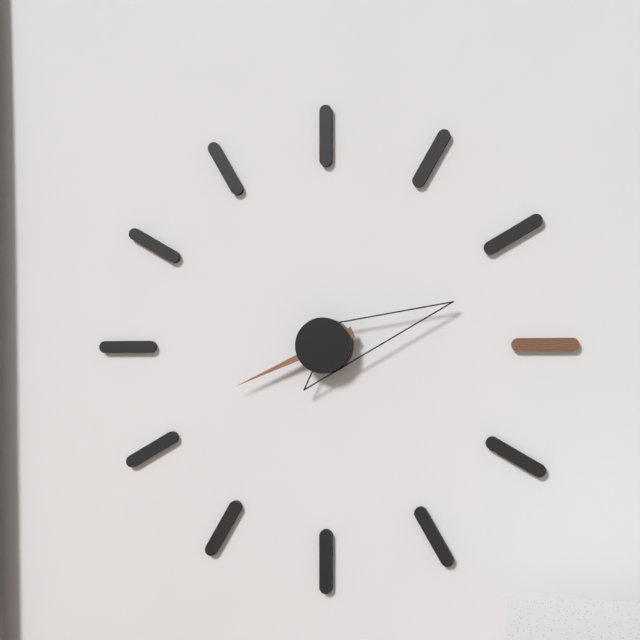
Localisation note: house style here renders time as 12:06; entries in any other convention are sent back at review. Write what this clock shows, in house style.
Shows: 8:12
